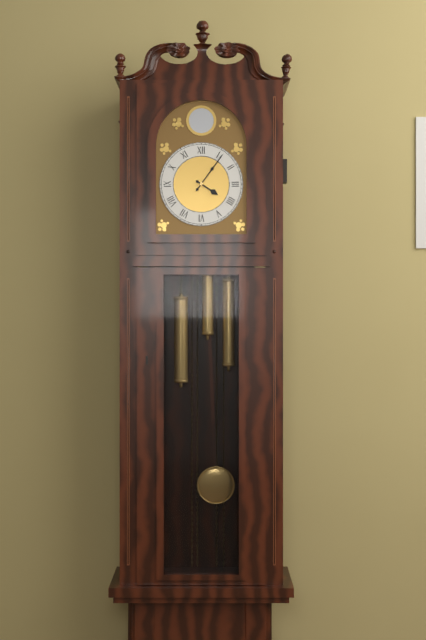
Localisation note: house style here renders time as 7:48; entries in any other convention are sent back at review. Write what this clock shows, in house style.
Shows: 4:06
